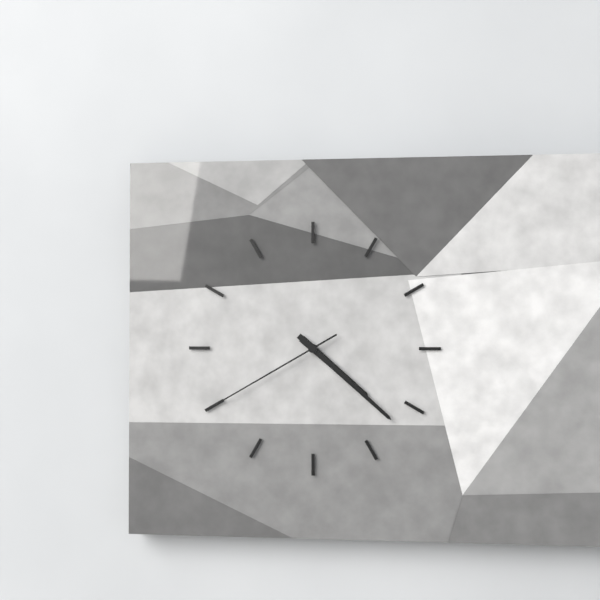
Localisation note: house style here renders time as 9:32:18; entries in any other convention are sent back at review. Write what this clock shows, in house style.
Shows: 4:22:40
